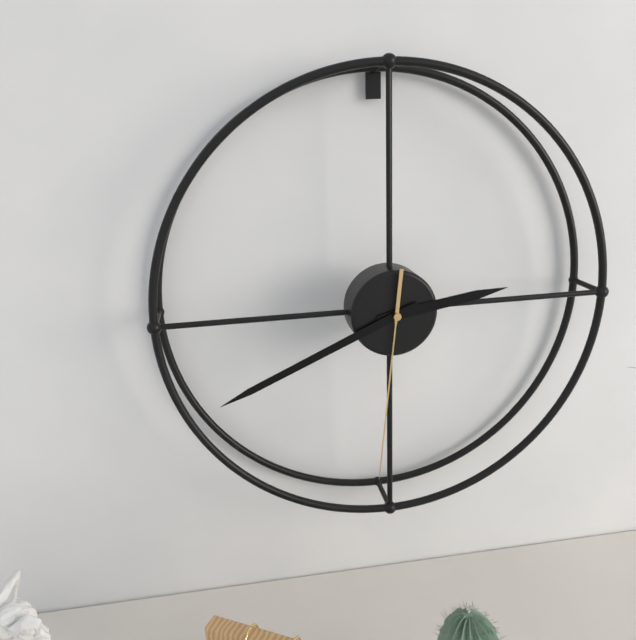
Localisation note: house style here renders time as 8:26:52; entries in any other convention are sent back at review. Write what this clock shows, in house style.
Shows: 2:41:31
